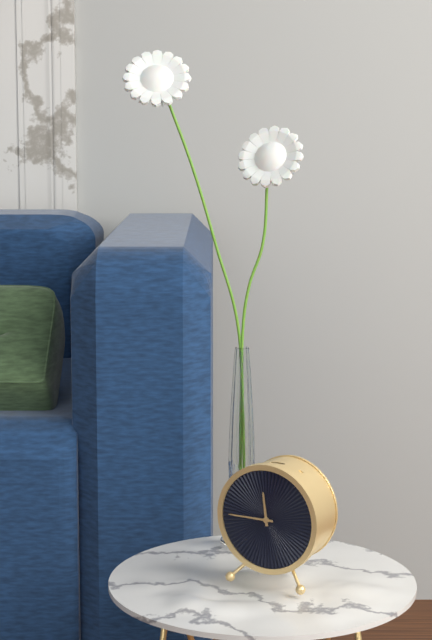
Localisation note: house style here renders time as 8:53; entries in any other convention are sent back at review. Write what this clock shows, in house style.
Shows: 11:45
